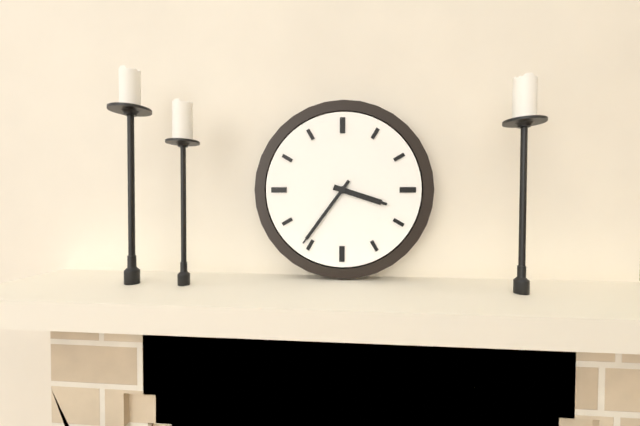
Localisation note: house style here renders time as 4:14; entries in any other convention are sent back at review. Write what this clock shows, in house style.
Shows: 3:36
